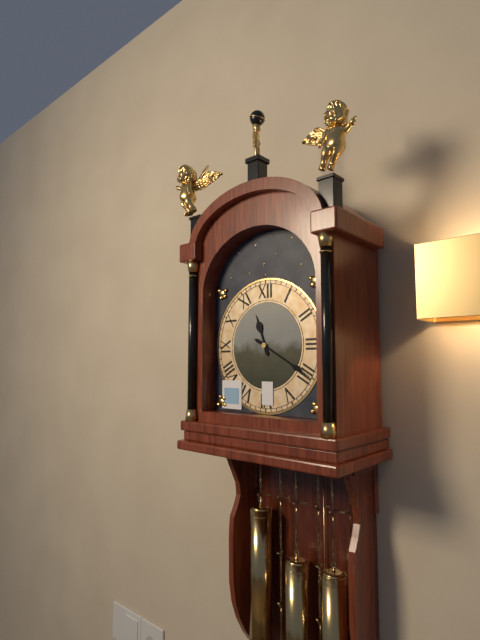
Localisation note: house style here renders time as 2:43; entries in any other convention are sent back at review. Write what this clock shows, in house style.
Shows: 11:20
